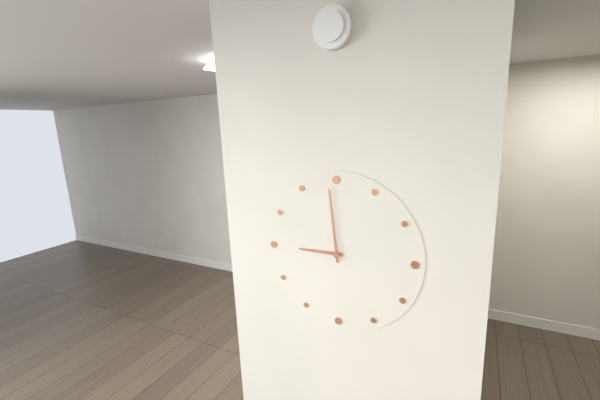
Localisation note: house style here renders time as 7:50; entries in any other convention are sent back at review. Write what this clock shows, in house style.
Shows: 8:59
